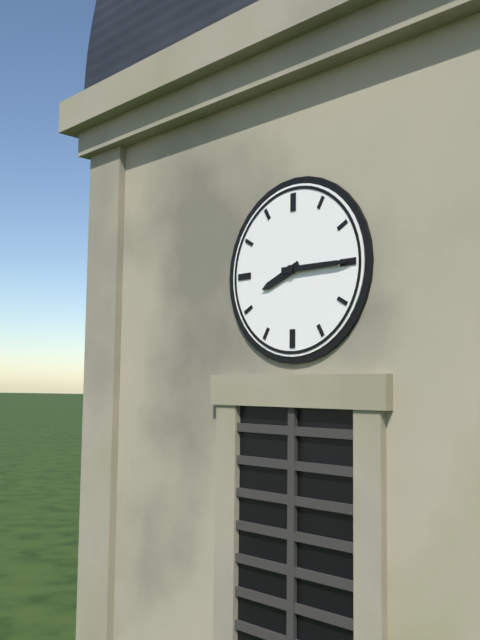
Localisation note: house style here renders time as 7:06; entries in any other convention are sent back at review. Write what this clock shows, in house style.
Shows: 8:15
